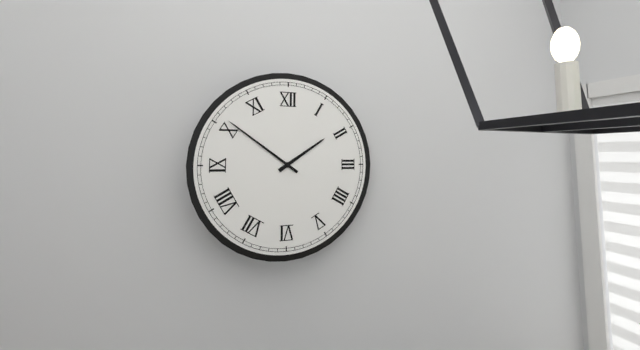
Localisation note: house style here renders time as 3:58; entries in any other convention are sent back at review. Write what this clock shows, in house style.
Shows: 1:51
